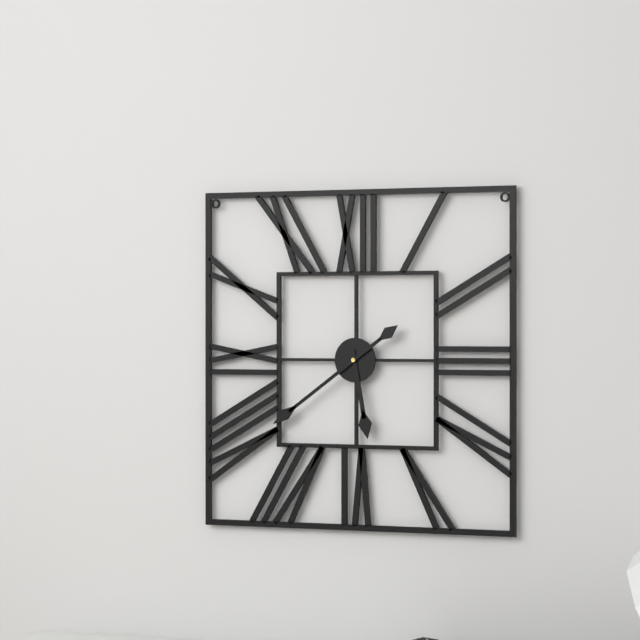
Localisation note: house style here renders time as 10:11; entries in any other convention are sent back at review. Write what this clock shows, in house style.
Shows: 5:39
